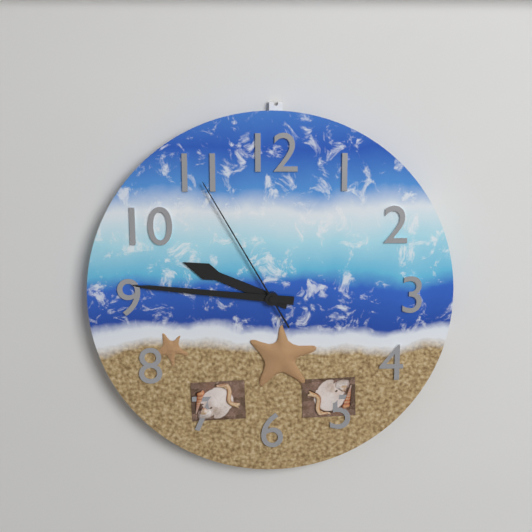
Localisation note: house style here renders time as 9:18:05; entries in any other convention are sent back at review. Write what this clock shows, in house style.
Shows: 9:46:55
